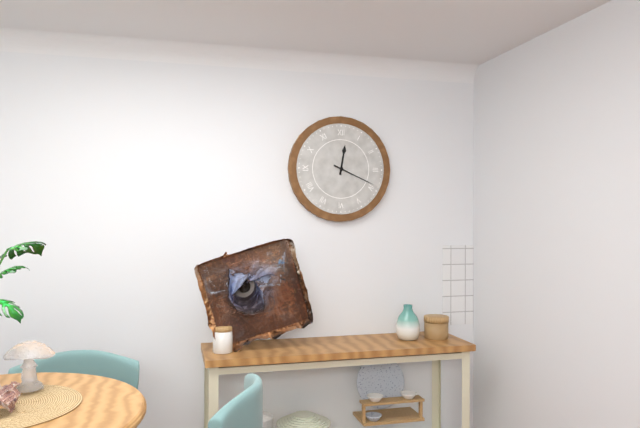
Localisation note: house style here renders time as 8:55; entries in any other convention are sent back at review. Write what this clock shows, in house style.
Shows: 12:19
